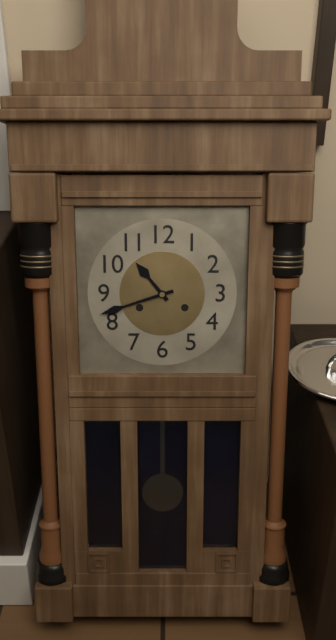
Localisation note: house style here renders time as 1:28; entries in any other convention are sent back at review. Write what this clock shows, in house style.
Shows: 10:42
